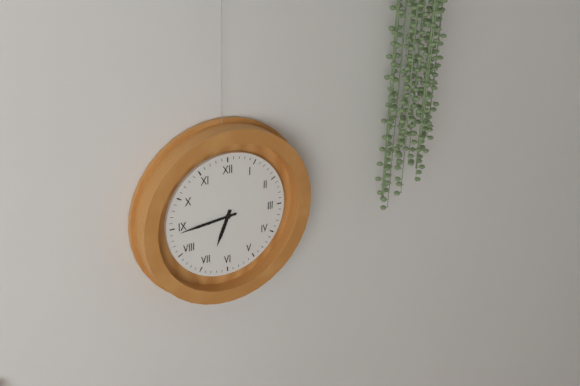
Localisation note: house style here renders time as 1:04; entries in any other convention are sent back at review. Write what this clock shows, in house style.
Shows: 6:44
